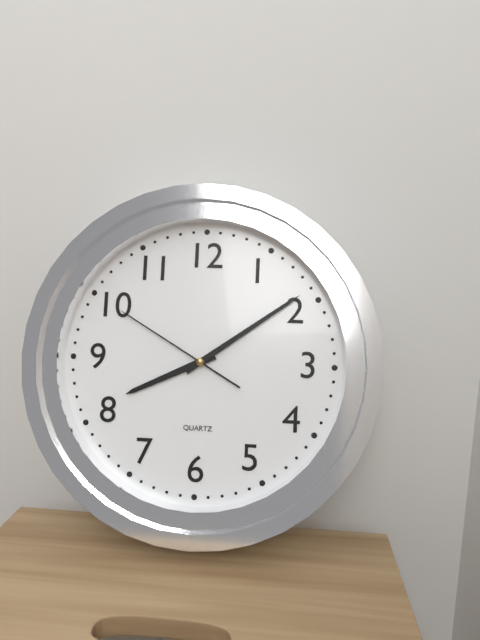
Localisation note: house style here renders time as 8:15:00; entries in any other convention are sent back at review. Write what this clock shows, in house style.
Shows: 8:09:50
